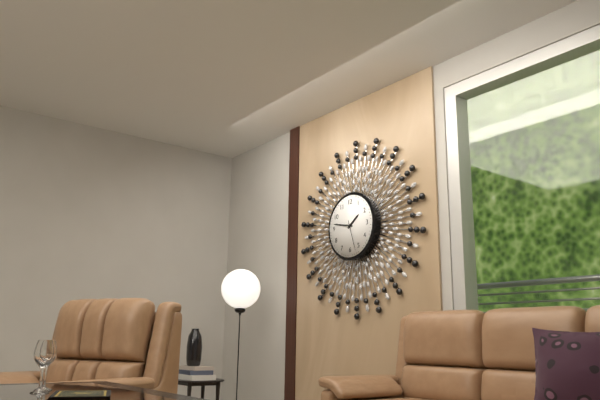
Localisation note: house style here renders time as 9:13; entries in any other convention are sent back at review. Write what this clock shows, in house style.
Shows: 1:47
